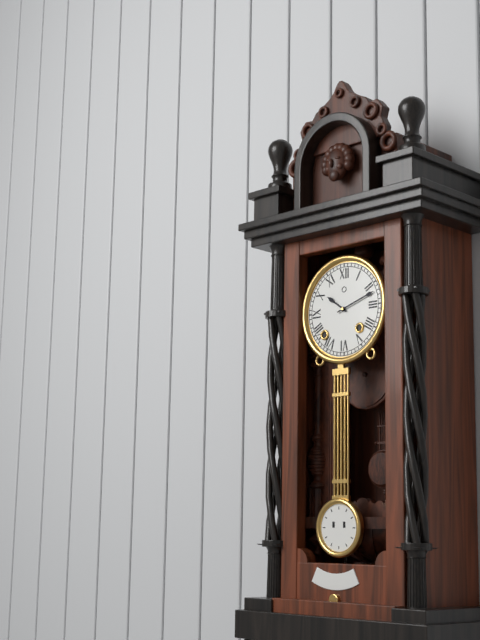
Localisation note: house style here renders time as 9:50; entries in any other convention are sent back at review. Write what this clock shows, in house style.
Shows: 10:12
